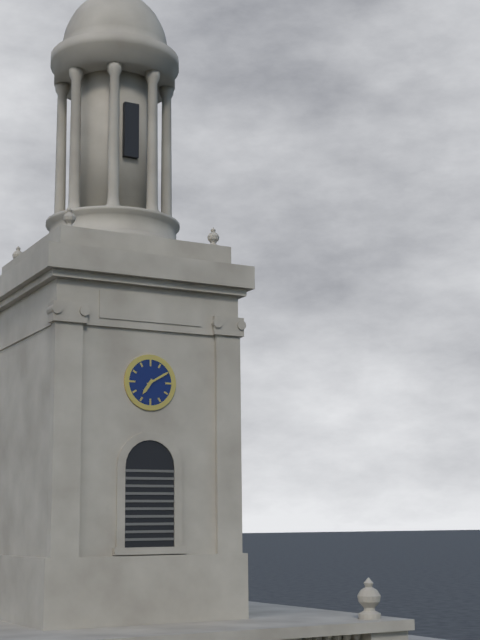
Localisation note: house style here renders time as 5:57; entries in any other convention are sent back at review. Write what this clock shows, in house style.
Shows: 7:10
